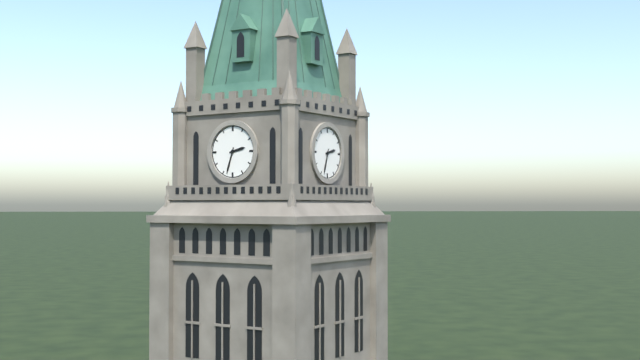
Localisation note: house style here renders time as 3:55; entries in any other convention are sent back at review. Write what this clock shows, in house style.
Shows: 2:33
